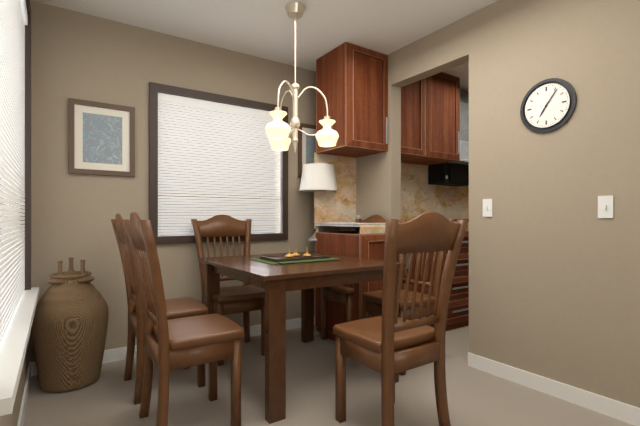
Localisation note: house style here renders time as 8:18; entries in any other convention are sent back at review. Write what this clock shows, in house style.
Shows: 7:06
